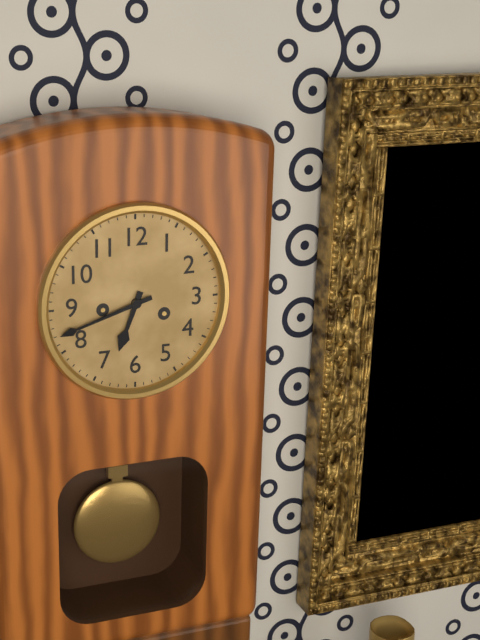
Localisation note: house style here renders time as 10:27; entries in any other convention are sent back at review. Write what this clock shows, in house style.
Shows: 6:42
